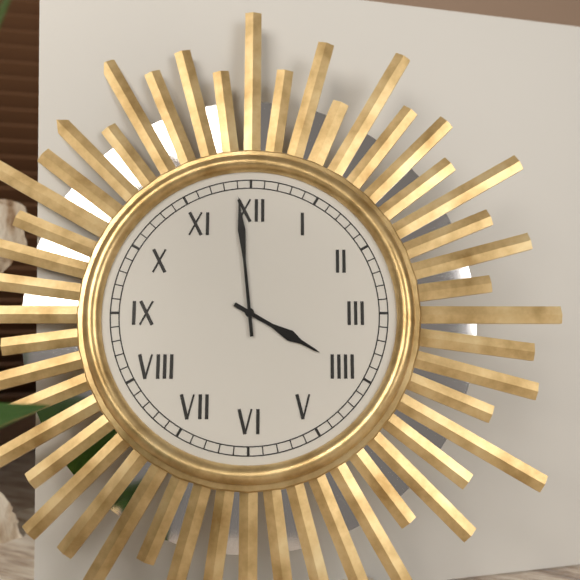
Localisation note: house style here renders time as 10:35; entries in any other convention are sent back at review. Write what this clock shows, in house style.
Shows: 3:59
